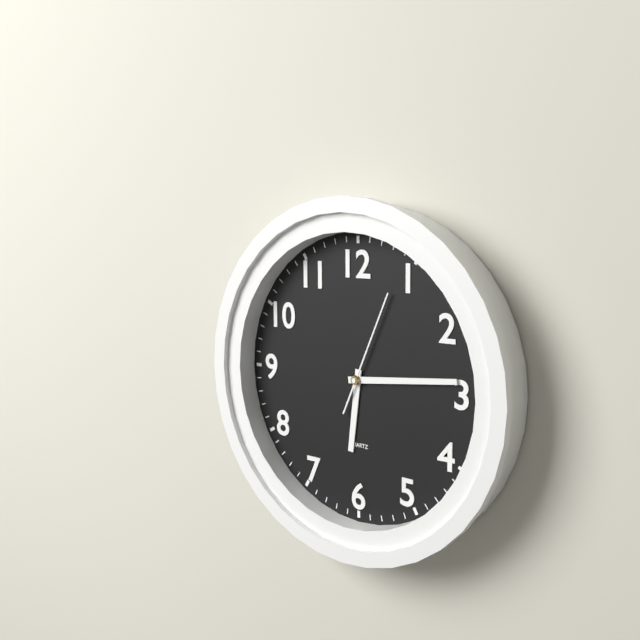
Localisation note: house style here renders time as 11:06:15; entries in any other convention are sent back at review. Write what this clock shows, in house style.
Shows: 6:14:04
